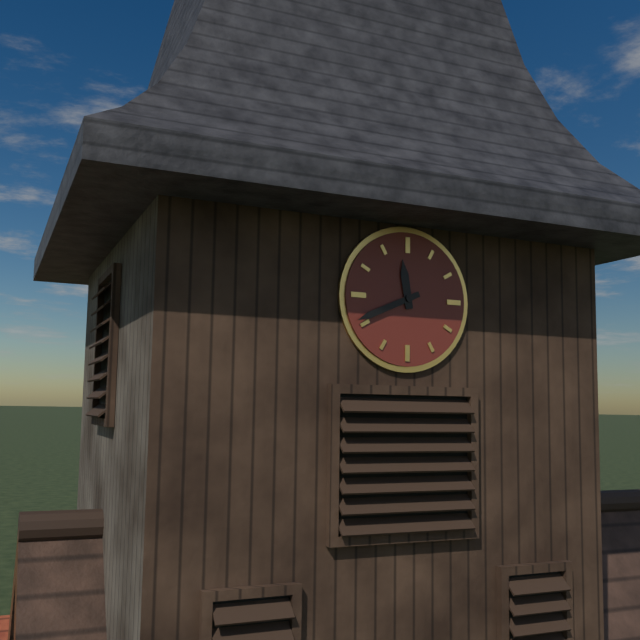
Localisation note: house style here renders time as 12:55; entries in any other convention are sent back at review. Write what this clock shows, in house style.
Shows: 11:41
